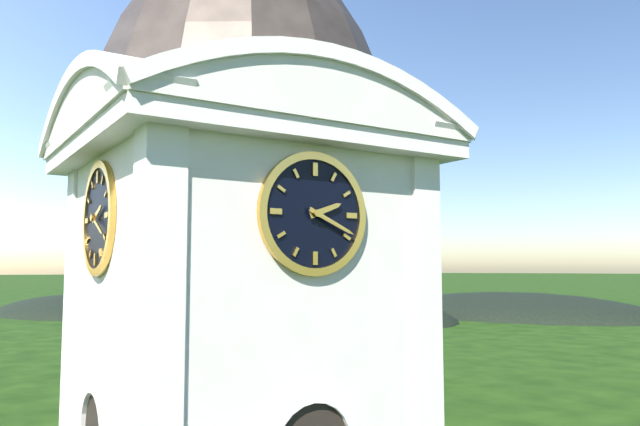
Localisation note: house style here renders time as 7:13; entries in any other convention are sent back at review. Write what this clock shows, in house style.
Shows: 2:19
